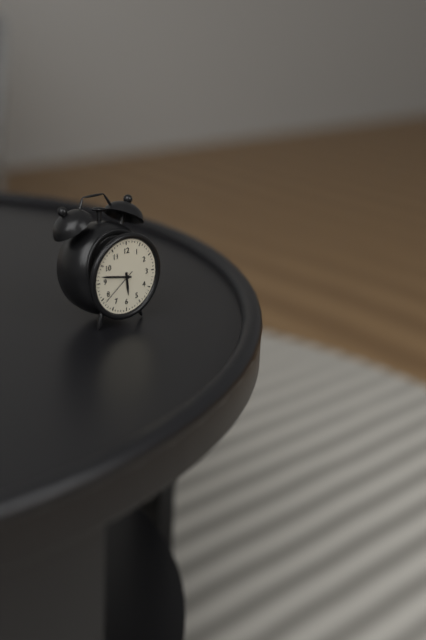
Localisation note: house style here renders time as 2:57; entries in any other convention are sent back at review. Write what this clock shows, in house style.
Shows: 5:47
